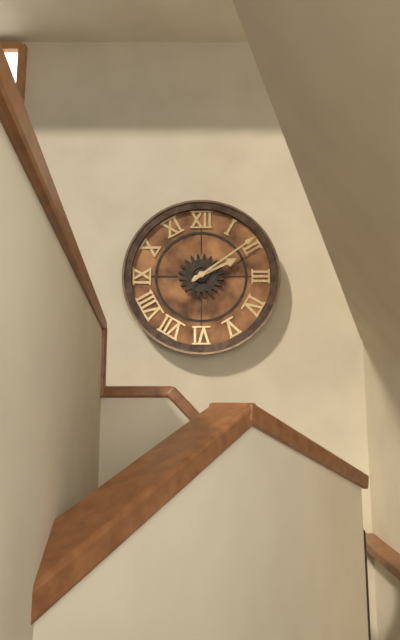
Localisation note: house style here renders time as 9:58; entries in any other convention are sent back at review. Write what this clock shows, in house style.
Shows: 2:09
